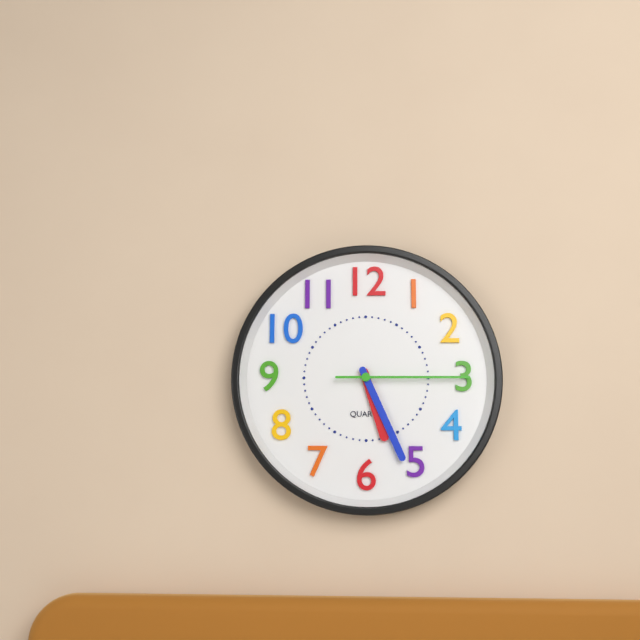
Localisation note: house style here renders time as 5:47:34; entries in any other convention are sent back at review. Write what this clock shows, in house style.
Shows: 5:26:15
